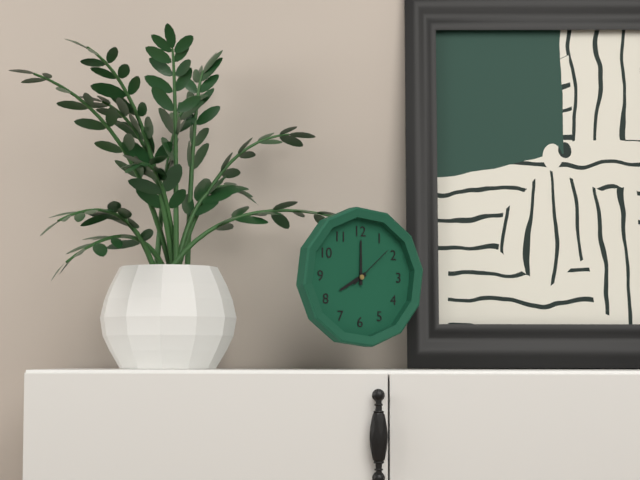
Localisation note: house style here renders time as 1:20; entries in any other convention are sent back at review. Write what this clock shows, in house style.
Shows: 8:00
